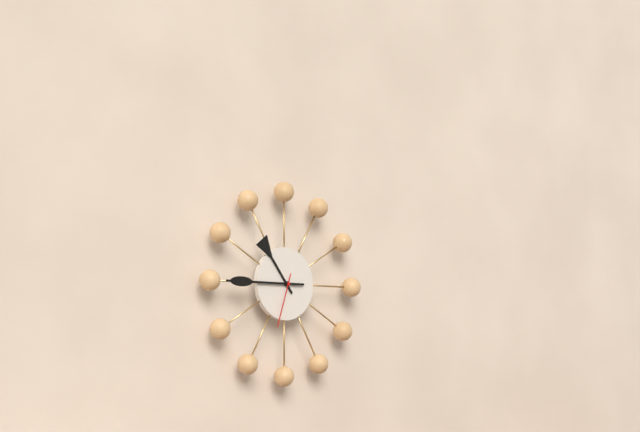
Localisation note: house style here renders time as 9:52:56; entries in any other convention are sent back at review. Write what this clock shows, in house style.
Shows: 10:45:33
